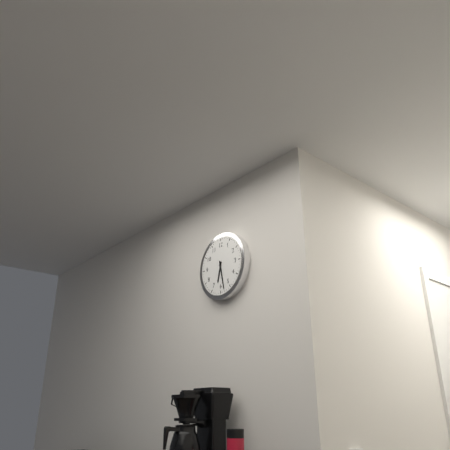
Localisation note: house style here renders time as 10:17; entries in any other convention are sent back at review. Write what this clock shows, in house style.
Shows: 6:28
